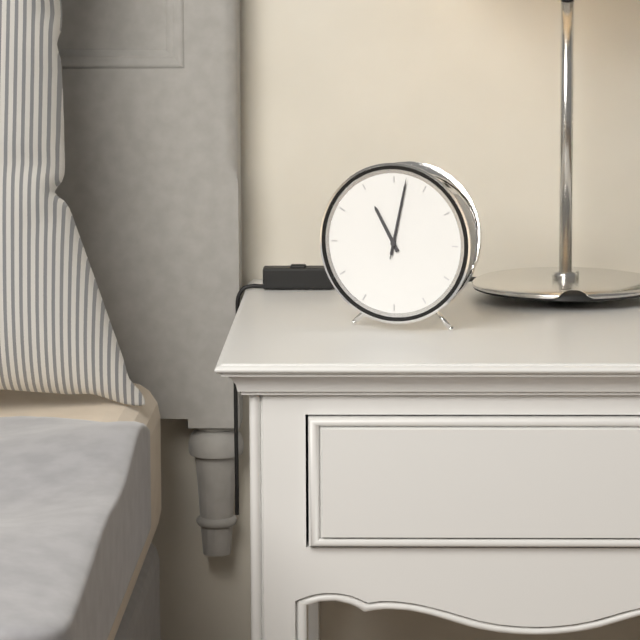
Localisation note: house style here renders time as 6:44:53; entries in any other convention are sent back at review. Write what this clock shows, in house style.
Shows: 11:02:02
